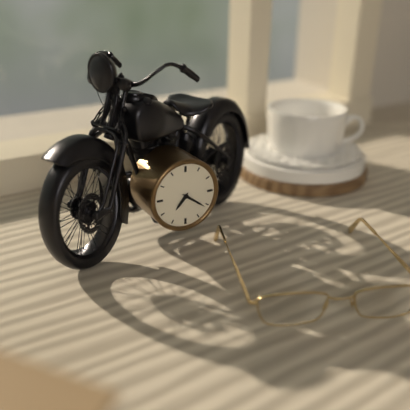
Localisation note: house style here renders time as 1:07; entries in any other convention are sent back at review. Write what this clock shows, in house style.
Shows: 7:21
